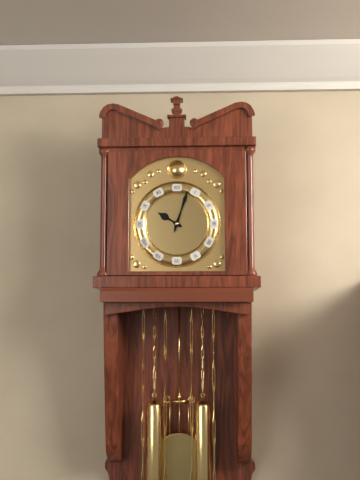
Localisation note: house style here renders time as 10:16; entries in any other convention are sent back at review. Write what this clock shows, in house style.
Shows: 10:03
